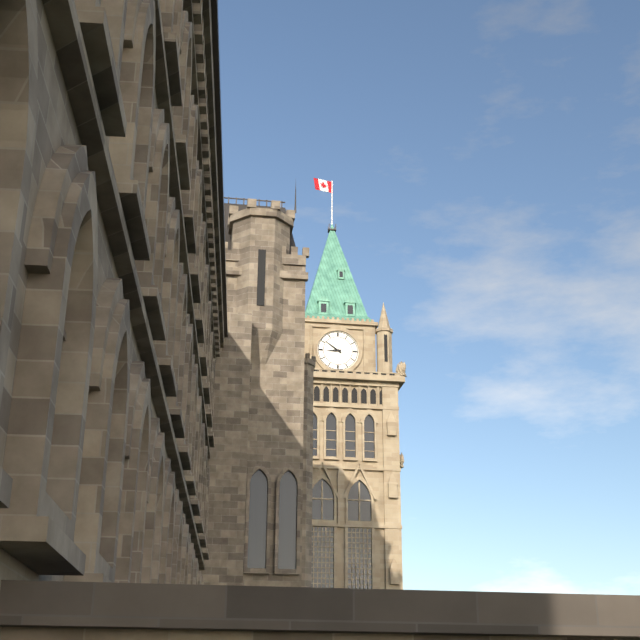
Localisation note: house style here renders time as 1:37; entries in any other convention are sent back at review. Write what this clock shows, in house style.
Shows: 8:51
